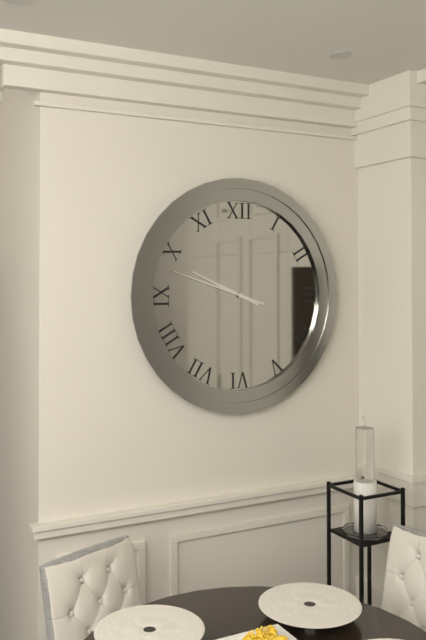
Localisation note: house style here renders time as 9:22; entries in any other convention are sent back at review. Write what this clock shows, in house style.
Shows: 9:48
